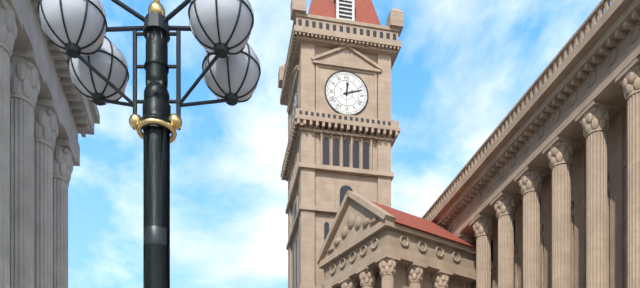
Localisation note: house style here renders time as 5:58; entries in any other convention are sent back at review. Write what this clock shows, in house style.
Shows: 12:12
